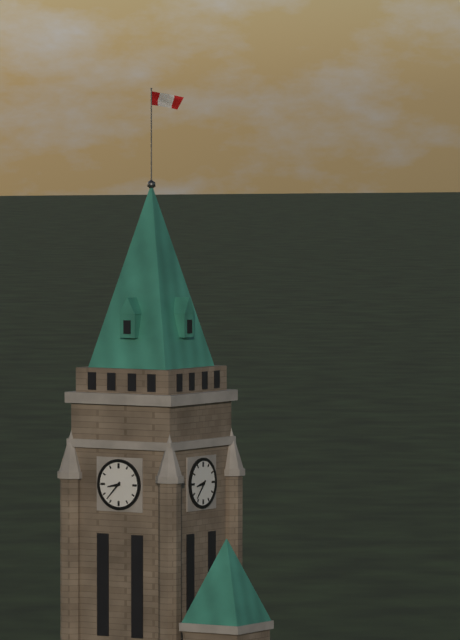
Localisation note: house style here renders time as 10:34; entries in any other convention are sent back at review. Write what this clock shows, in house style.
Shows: 8:37
